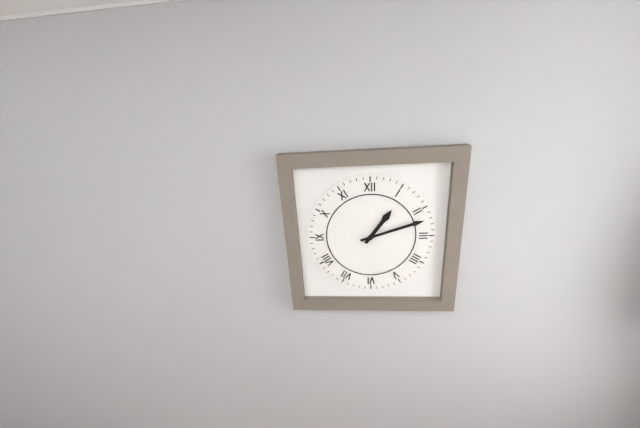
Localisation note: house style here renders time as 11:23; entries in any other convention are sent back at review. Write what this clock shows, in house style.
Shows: 1:12
